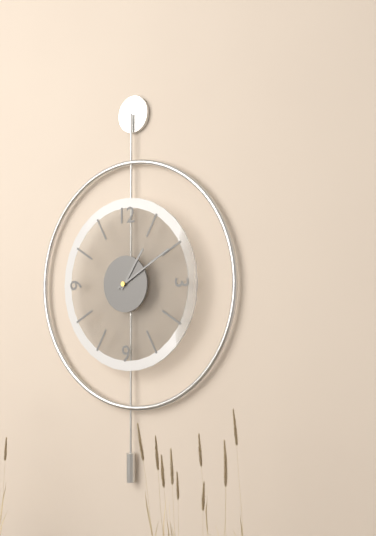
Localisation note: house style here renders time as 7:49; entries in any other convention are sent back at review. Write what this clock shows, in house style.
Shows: 1:10
